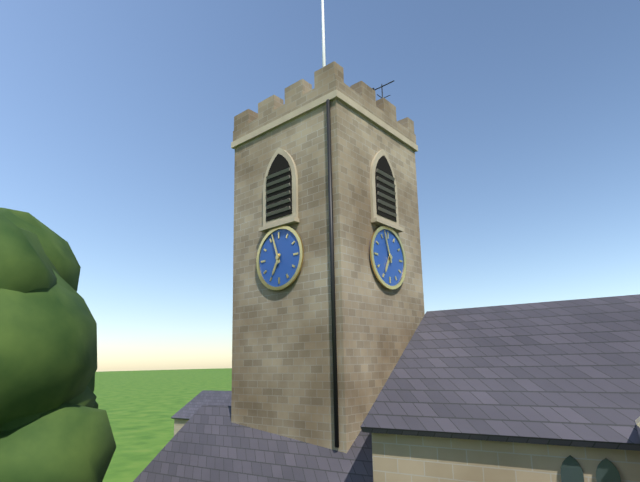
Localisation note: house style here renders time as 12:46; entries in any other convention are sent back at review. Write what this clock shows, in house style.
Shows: 6:57
